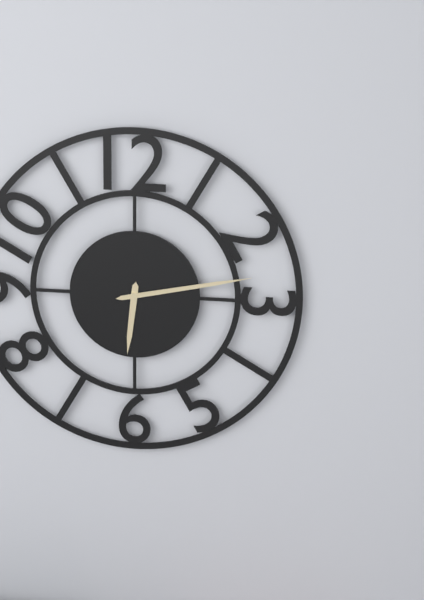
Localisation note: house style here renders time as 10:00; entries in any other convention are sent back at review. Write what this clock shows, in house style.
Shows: 6:13
